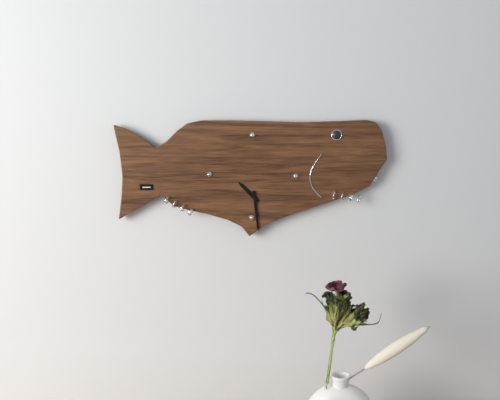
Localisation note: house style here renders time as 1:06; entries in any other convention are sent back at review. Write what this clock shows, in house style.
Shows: 10:29
